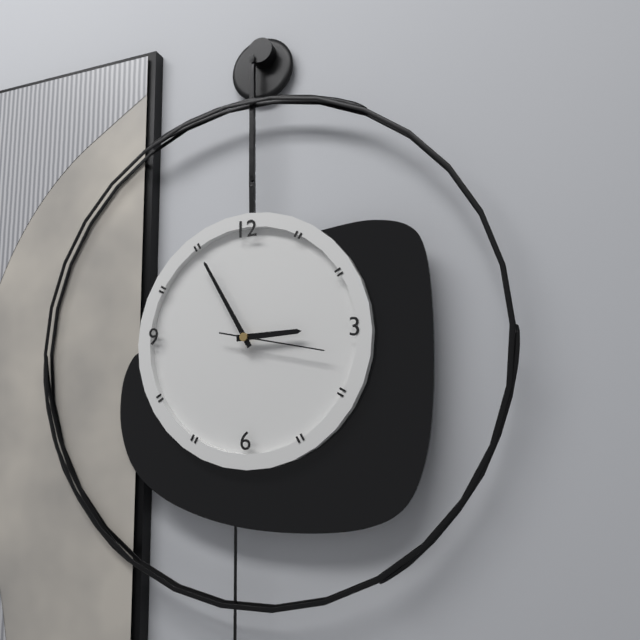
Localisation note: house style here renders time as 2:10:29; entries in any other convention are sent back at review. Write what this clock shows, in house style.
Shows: 2:55:17
